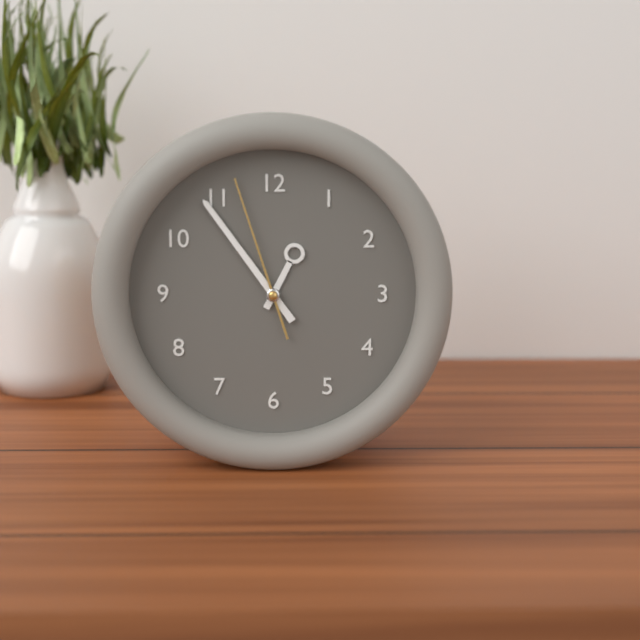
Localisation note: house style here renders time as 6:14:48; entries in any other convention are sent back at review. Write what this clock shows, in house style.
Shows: 12:54:57
